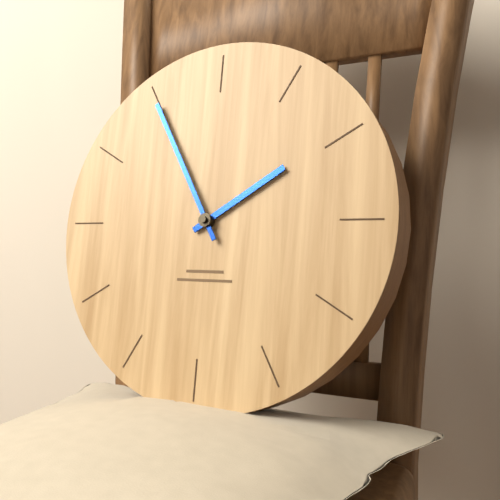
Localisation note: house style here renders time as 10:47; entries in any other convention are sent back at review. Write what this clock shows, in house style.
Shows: 1:55
